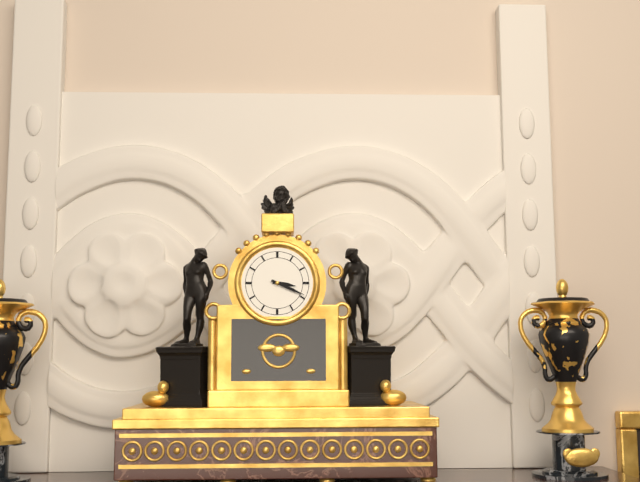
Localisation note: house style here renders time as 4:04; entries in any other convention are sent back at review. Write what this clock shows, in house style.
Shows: 3:19
